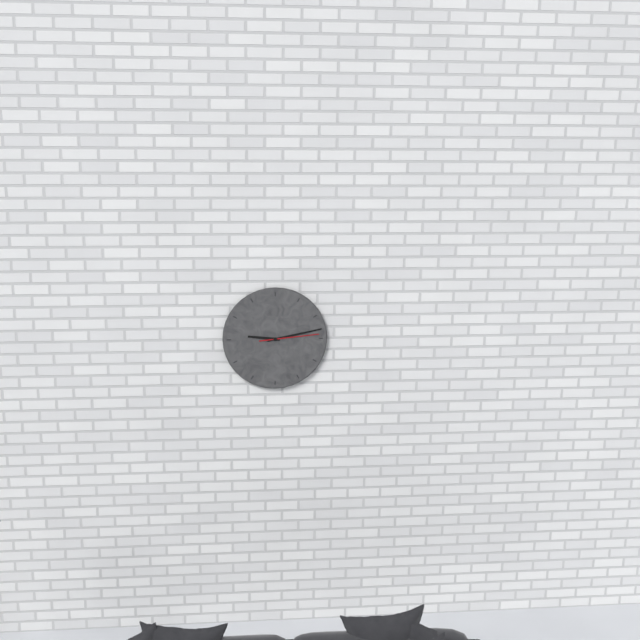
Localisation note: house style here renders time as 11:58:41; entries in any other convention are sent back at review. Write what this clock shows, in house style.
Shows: 9:13:14
